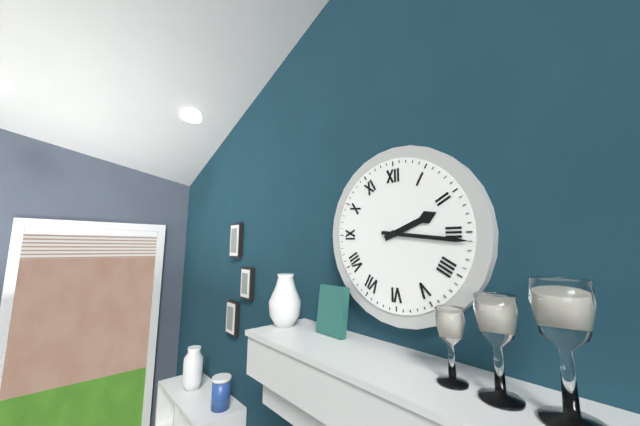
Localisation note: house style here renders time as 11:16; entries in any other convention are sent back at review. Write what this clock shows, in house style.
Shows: 2:16
